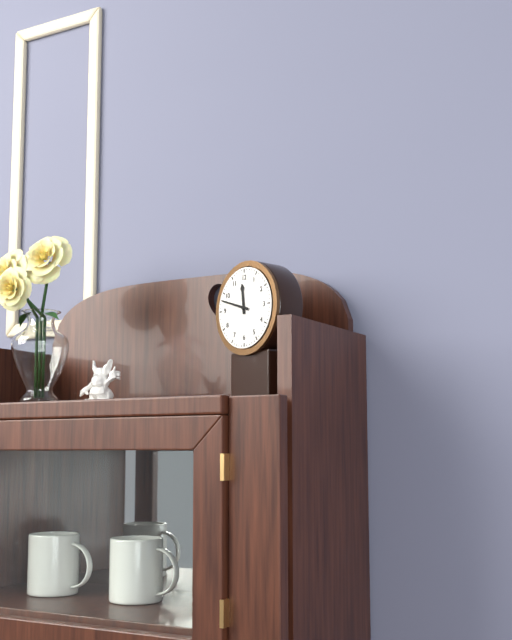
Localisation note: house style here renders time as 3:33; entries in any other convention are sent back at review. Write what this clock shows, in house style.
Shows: 11:48
